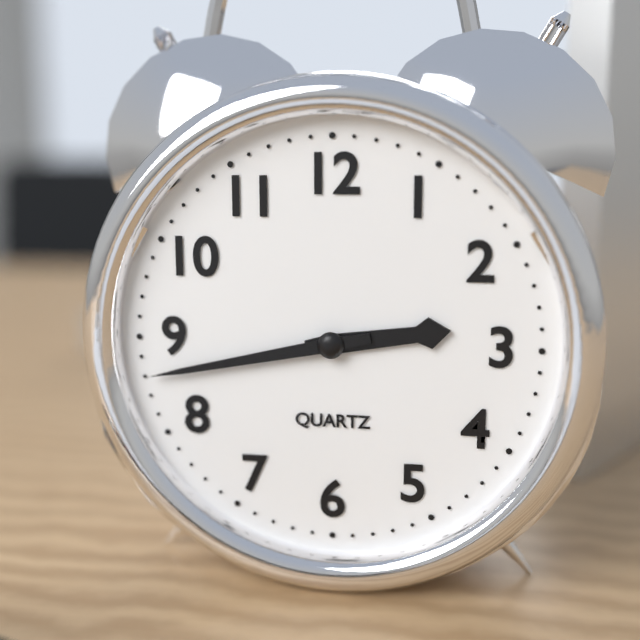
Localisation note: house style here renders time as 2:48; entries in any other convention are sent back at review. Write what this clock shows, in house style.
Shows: 2:43
